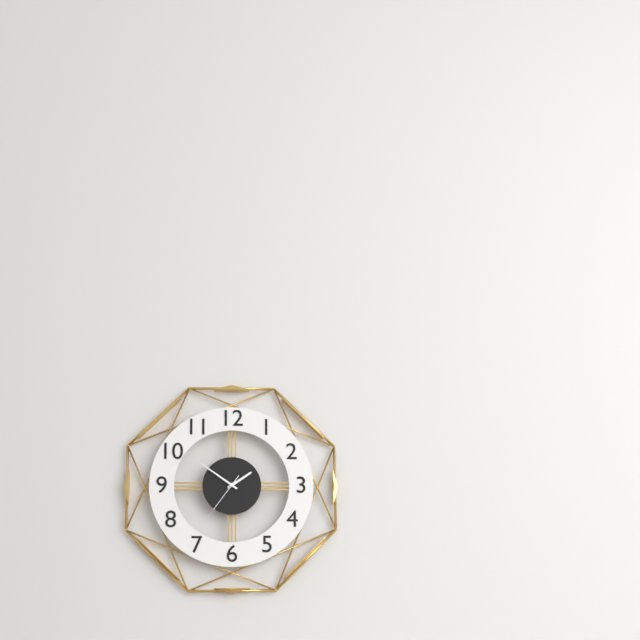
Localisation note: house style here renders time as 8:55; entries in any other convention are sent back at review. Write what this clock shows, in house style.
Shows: 1:51
